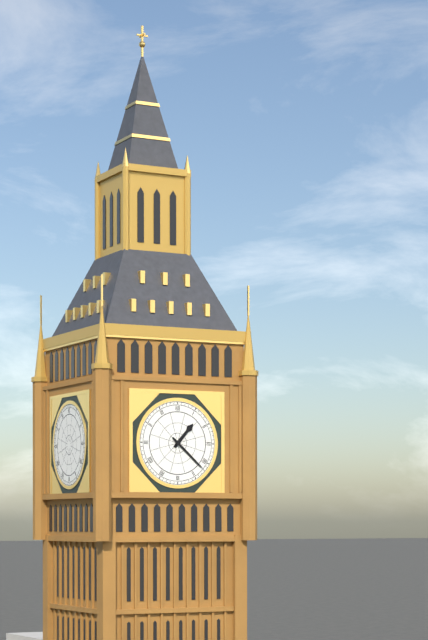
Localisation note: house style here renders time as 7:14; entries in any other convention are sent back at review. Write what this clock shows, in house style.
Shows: 1:22
